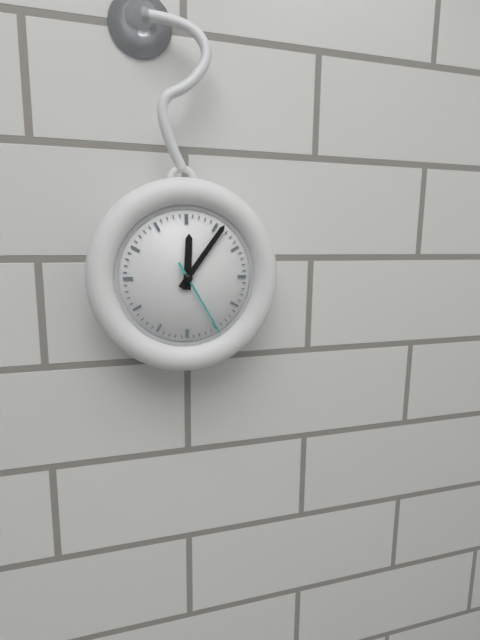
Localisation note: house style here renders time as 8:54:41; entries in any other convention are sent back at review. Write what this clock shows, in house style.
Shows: 12:06:25
